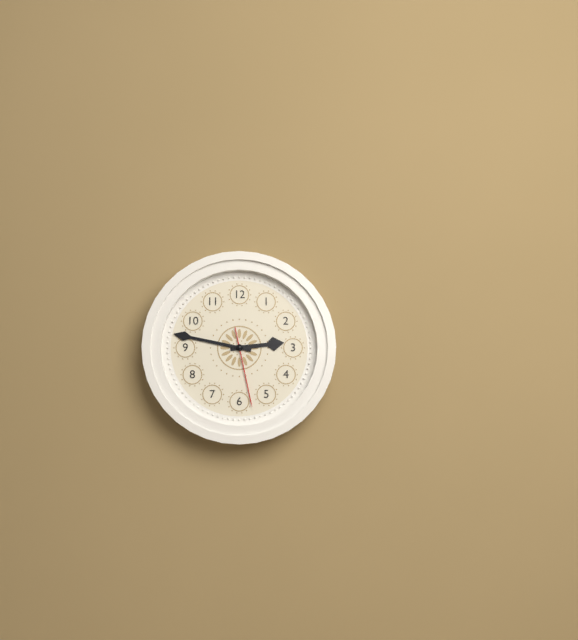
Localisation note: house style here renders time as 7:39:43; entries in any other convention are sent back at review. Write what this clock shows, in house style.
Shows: 2:47:28
